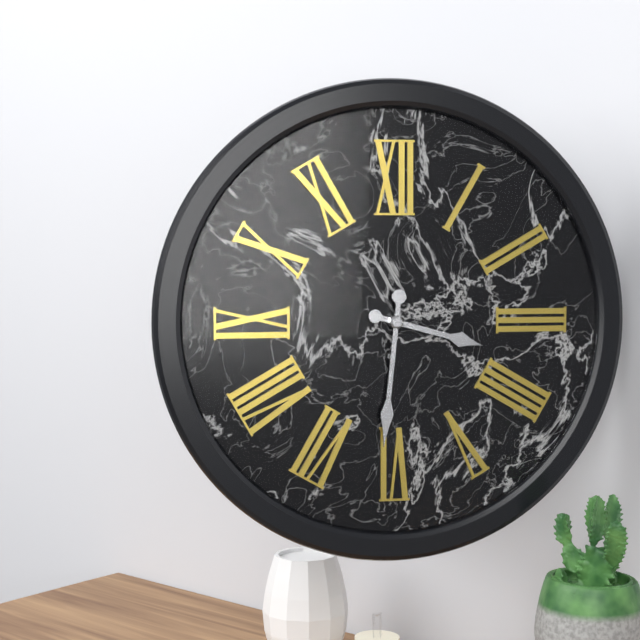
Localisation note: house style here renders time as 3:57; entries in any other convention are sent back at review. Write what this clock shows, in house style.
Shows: 3:31
